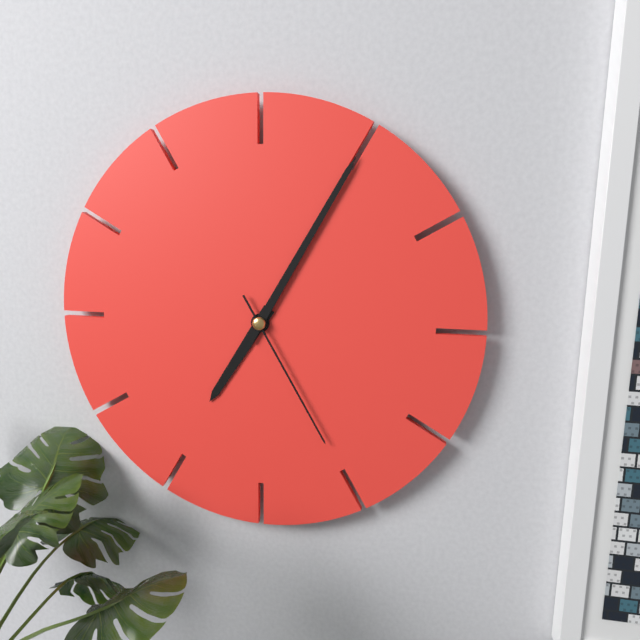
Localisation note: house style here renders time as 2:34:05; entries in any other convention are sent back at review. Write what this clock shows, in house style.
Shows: 7:05:25
